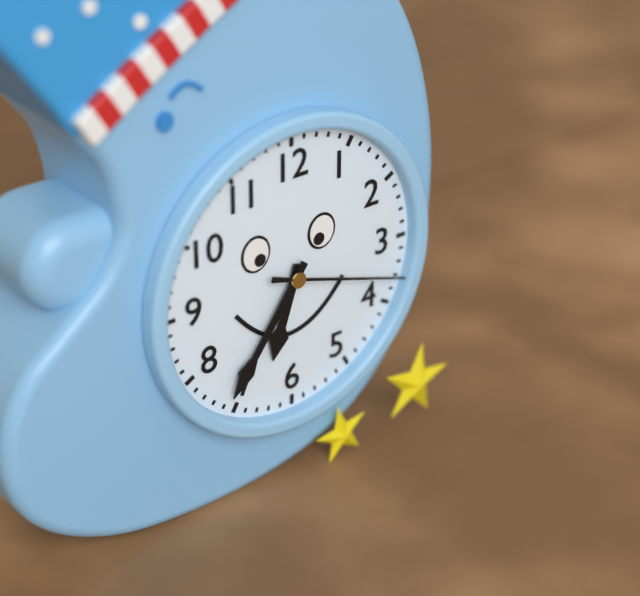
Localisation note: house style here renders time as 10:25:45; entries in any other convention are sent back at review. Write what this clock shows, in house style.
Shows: 6:36:18
